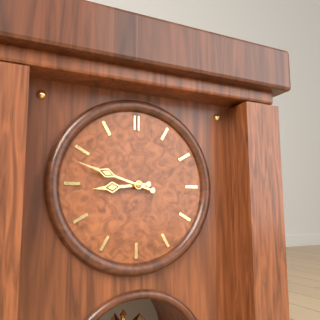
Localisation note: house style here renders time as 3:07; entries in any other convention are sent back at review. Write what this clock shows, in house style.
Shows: 8:48
